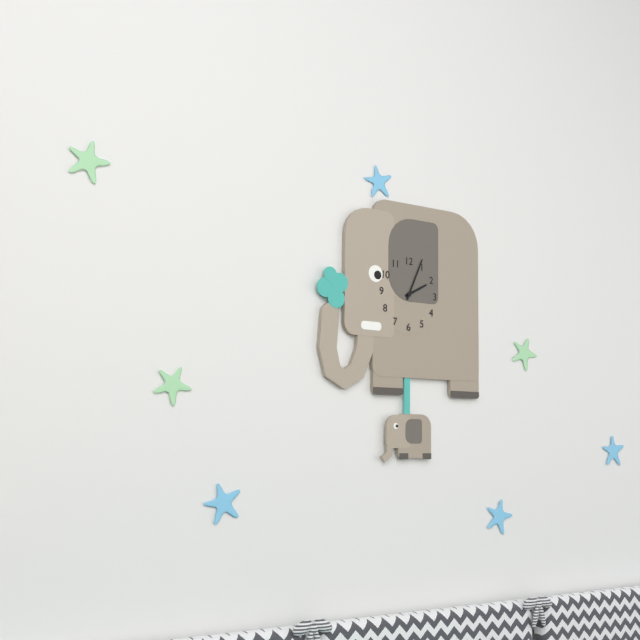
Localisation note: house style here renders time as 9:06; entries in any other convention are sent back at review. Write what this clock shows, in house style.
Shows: 2:04
